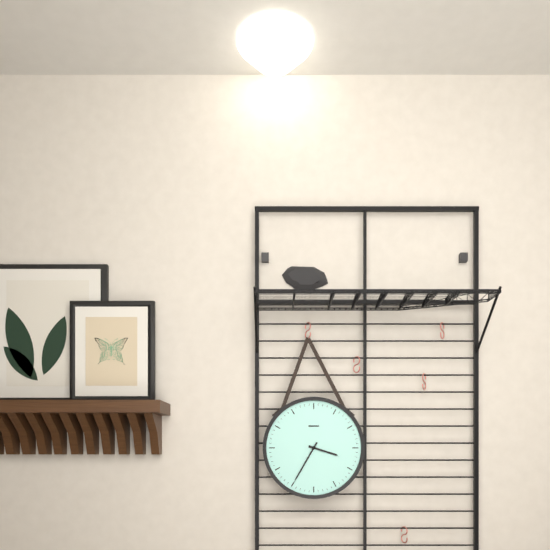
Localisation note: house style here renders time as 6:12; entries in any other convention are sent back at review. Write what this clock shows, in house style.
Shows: 3:35
